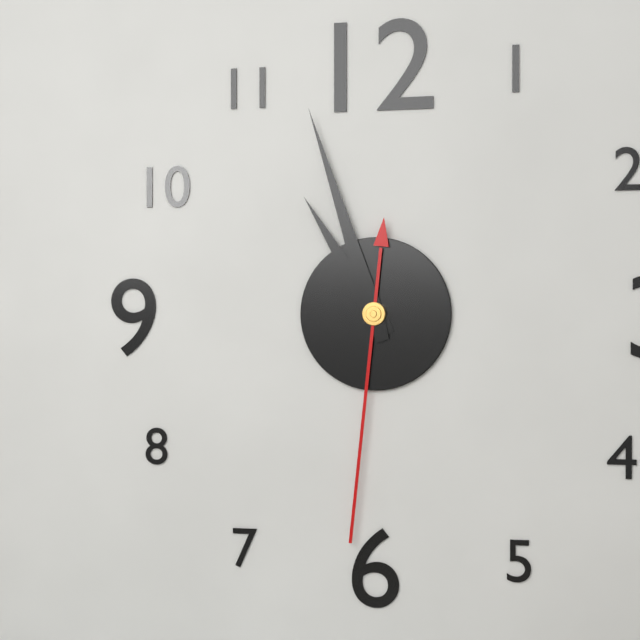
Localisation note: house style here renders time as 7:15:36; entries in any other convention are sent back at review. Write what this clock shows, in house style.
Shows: 10:57:31
